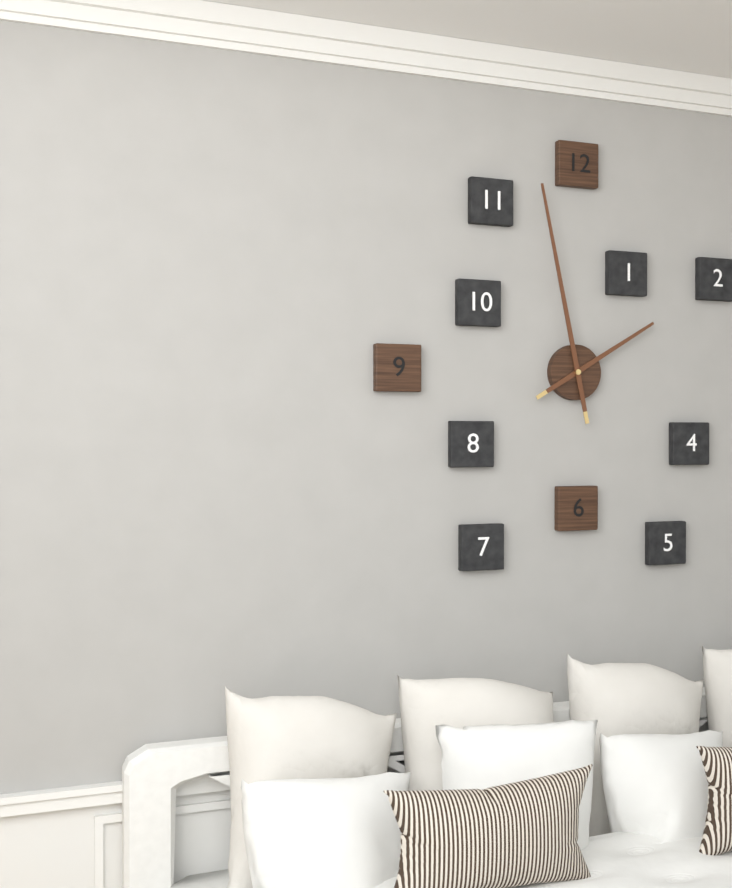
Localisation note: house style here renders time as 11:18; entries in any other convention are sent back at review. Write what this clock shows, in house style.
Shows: 1:58
